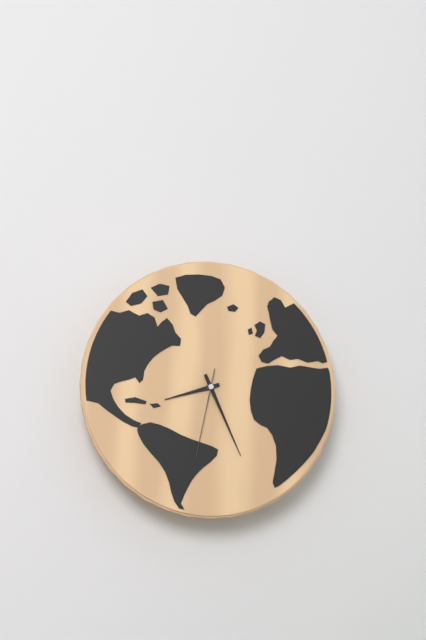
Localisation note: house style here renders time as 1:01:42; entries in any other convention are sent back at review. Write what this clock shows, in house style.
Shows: 8:26:32
